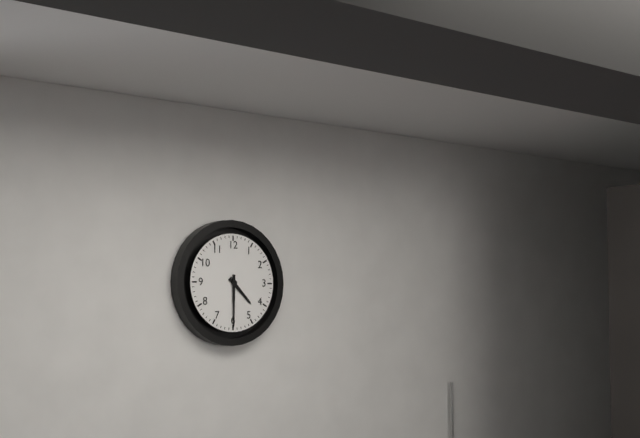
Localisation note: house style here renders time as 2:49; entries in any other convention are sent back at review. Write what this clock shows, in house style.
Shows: 4:30
